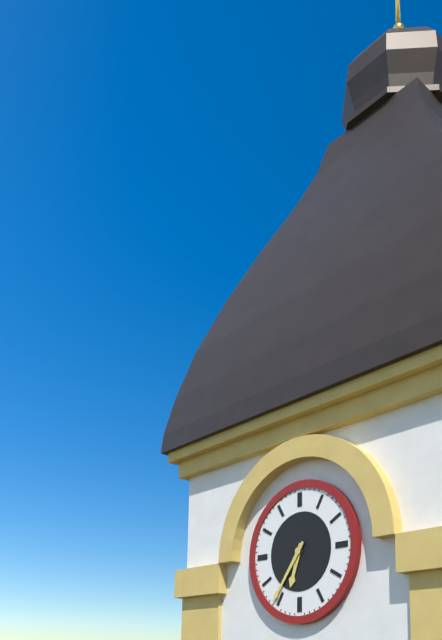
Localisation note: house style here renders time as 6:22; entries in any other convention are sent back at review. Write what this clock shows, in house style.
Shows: 6:36
